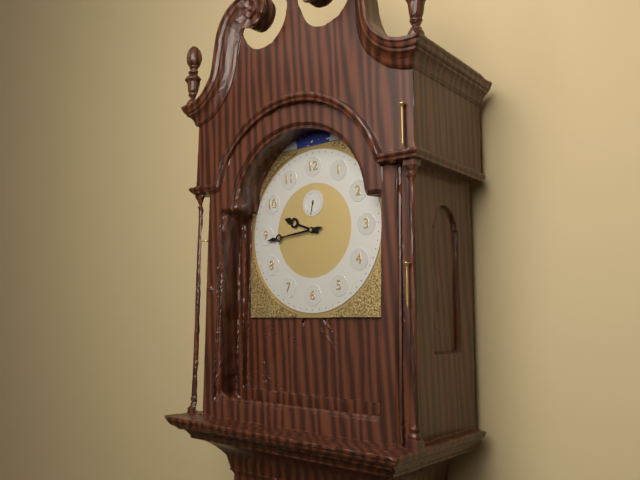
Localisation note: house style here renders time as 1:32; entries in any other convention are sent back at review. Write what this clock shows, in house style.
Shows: 9:44
